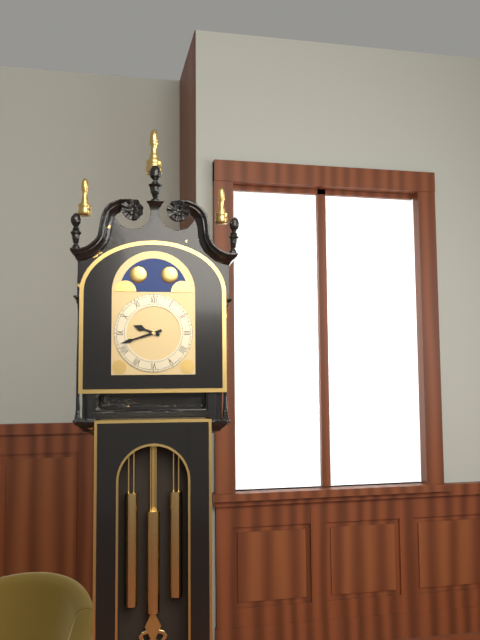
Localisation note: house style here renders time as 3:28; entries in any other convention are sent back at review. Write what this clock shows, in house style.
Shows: 9:42
